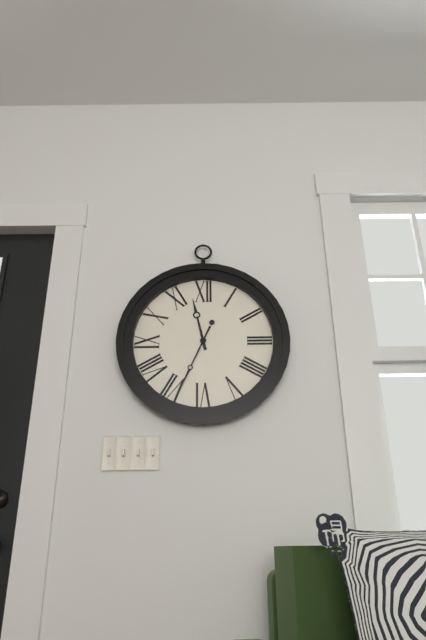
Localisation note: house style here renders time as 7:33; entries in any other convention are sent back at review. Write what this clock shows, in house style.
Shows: 11:34
